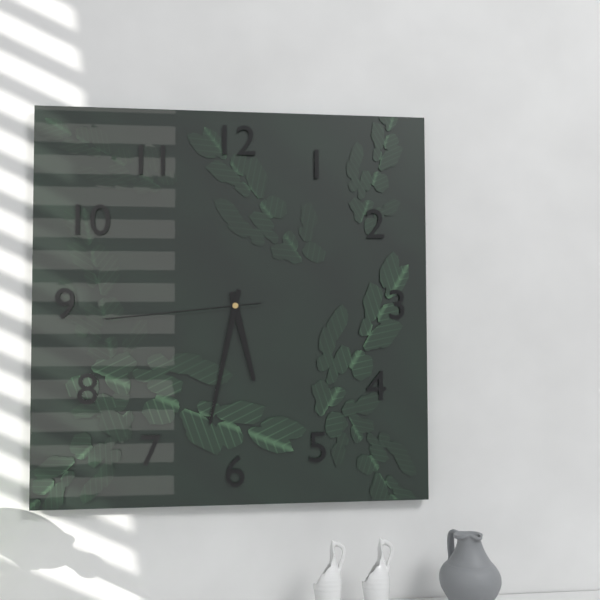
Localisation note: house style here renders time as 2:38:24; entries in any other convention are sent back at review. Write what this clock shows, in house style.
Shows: 5:32:44
